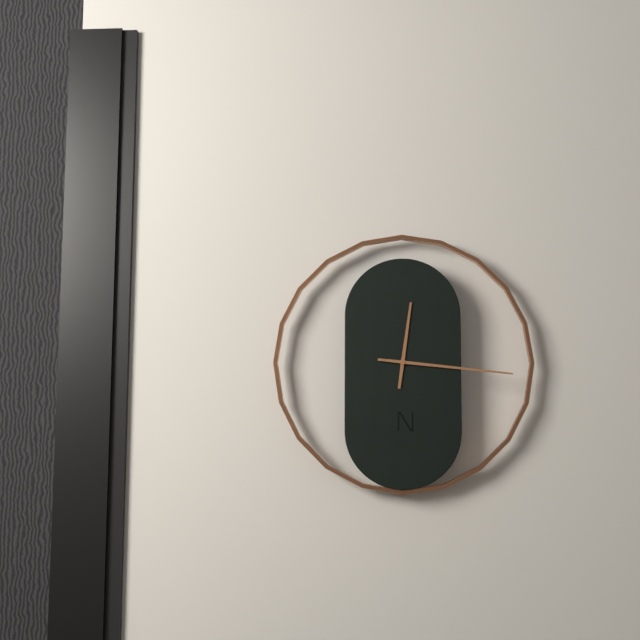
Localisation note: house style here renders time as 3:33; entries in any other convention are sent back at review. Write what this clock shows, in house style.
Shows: 12:16
